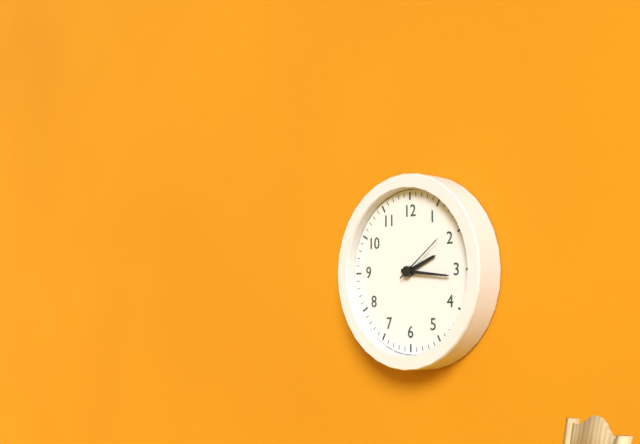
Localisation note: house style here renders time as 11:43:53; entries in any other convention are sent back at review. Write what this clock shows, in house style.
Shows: 2:16:09
